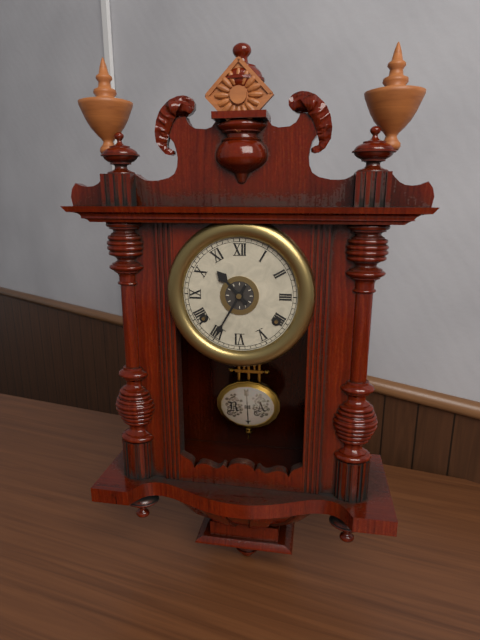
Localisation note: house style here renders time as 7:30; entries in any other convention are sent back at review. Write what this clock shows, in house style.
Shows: 10:35
